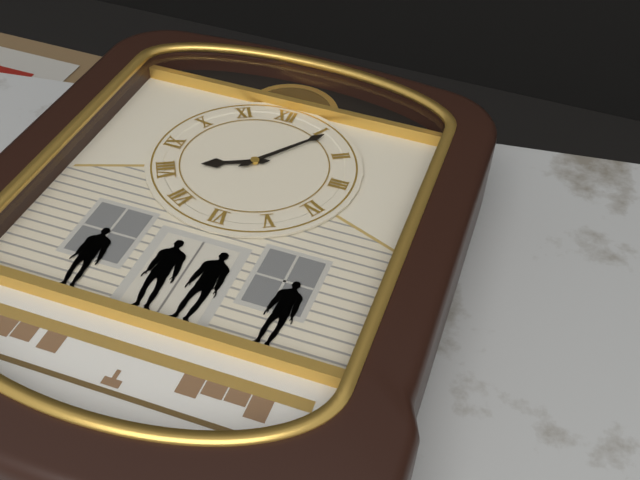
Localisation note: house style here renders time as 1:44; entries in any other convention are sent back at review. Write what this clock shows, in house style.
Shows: 8:06
